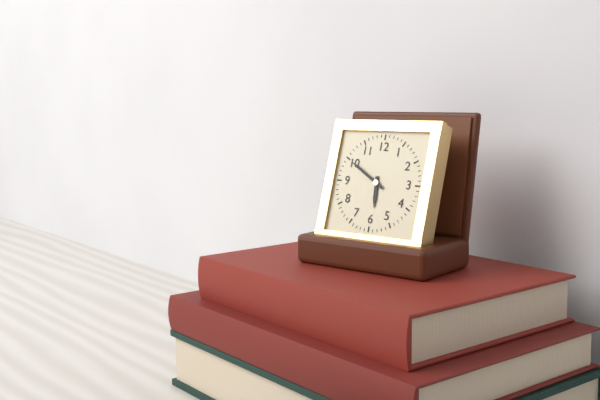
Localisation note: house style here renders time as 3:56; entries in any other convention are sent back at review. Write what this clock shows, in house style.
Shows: 5:50
